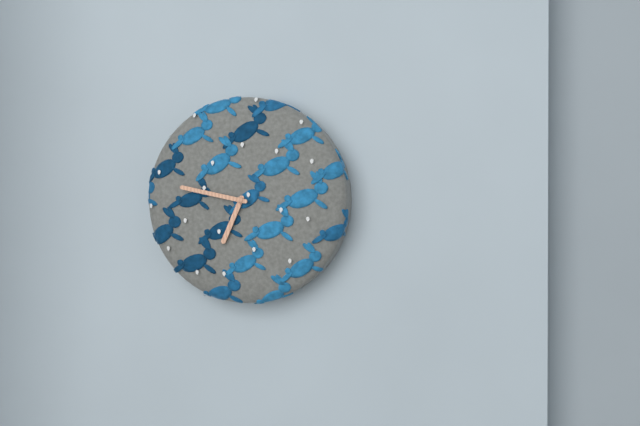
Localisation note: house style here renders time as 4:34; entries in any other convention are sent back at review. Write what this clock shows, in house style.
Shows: 6:47
